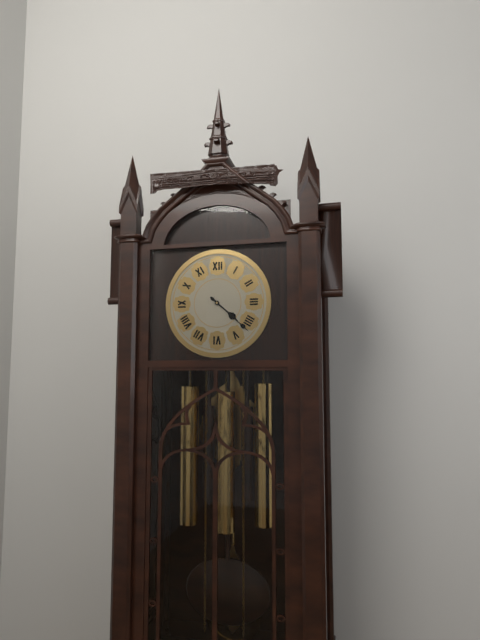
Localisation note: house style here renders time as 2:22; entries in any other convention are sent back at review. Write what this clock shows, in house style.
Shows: 4:22
